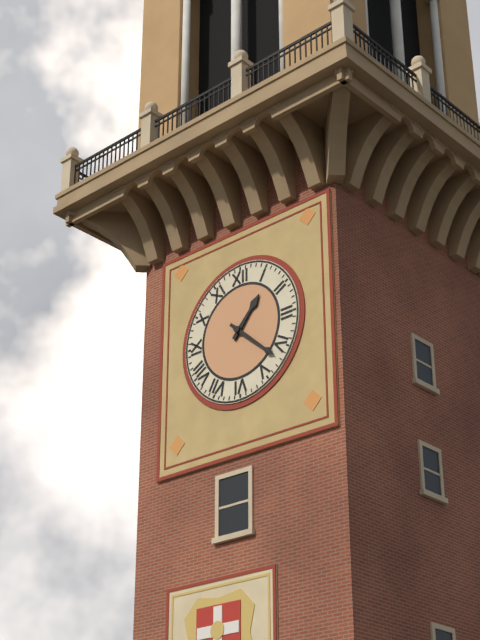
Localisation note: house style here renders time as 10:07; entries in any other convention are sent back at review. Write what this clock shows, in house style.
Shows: 1:22
